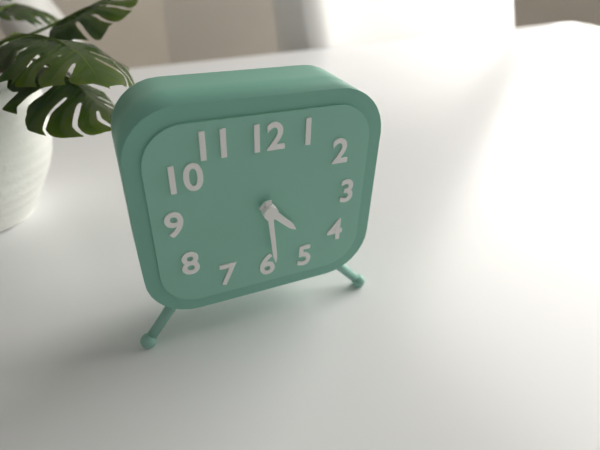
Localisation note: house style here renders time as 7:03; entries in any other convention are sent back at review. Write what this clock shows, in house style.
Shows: 4:29
